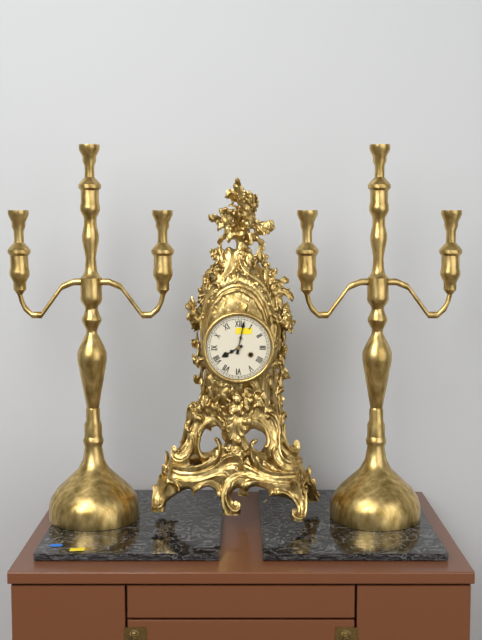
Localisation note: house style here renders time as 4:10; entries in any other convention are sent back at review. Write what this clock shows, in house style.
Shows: 8:02
